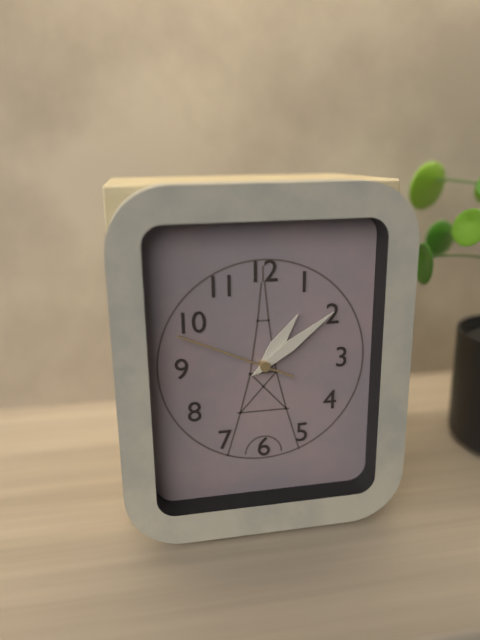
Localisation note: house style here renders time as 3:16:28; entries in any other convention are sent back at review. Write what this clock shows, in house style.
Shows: 1:09:49
